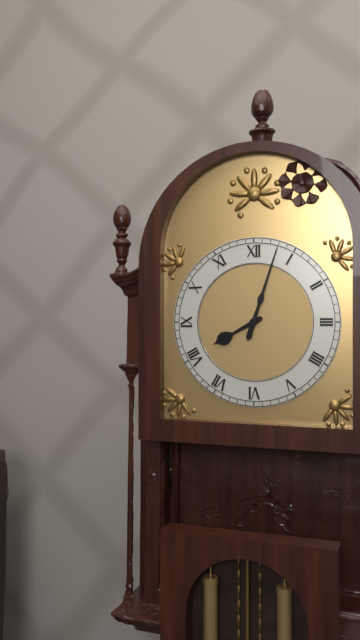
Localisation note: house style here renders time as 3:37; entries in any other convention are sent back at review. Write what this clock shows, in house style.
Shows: 8:03
